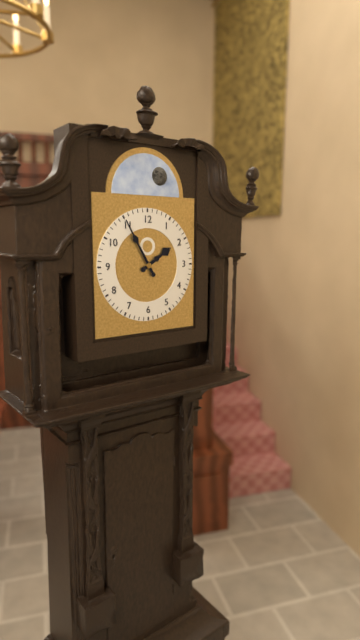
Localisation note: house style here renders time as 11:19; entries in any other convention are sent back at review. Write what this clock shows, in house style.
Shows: 1:55
